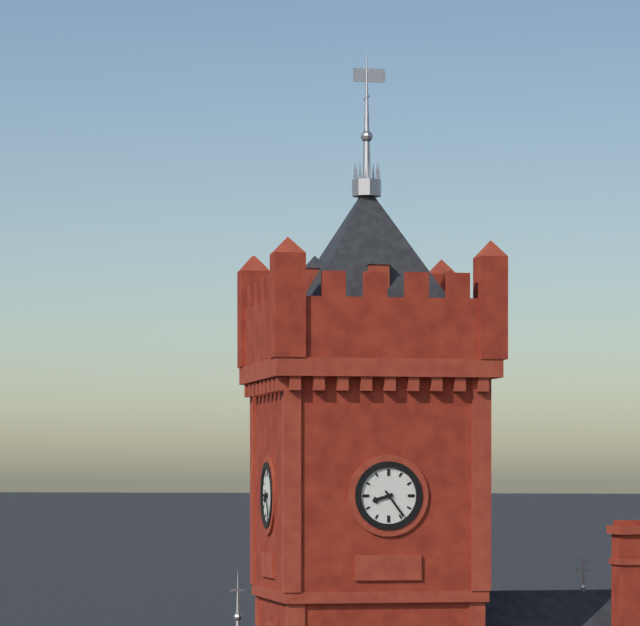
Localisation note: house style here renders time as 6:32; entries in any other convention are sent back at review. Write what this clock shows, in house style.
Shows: 8:24
